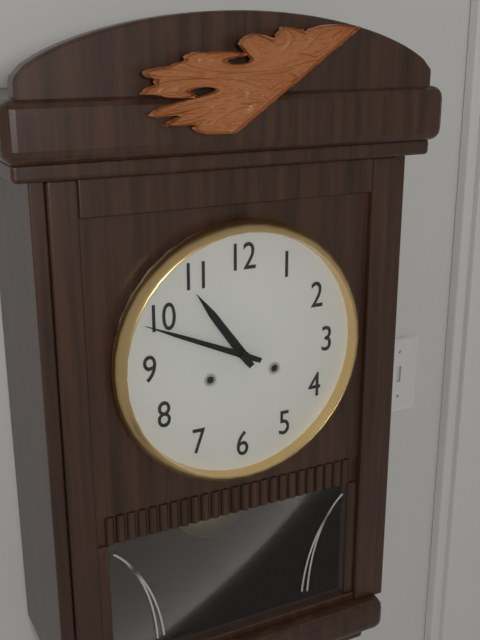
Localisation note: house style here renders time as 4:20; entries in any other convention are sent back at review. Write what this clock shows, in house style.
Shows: 10:49
